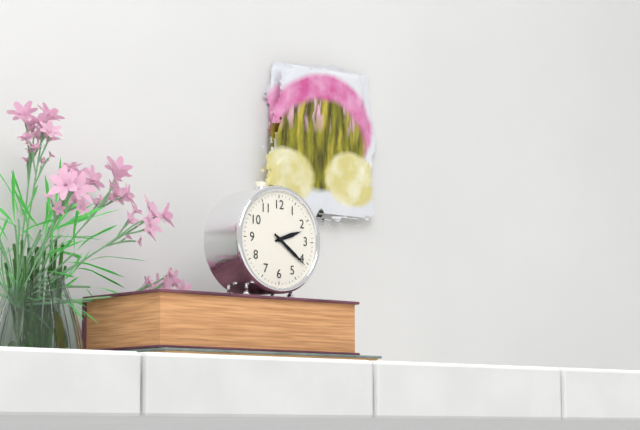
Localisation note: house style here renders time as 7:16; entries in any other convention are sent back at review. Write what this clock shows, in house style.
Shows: 2:21
